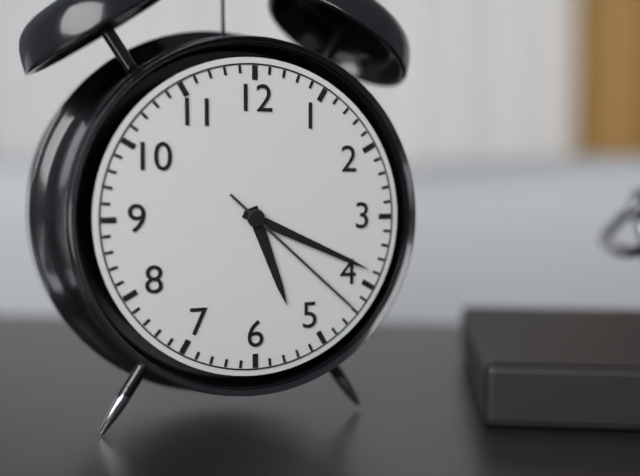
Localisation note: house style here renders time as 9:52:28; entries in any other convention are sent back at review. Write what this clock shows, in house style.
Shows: 5:19:22
